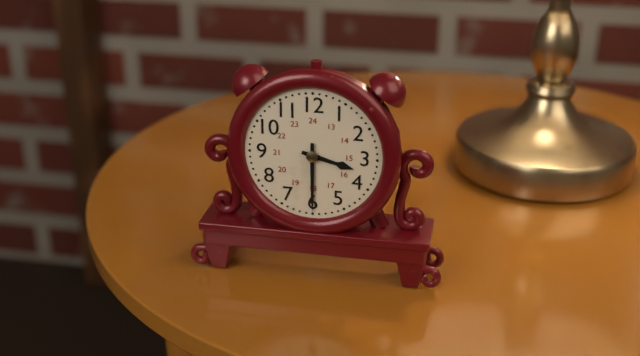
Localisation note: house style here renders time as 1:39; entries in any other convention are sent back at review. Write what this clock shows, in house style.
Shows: 3:30
